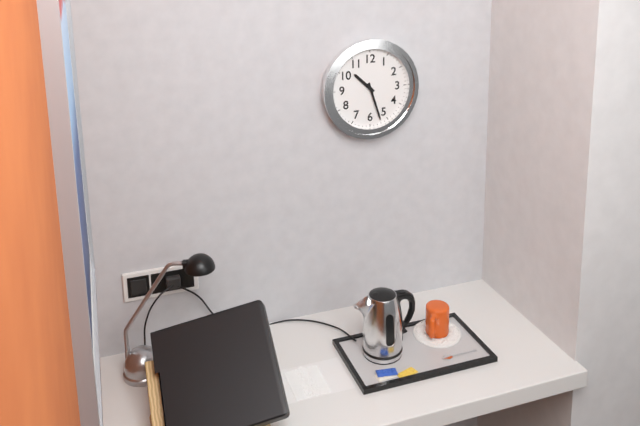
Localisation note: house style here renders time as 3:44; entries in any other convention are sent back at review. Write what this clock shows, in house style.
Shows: 10:27
